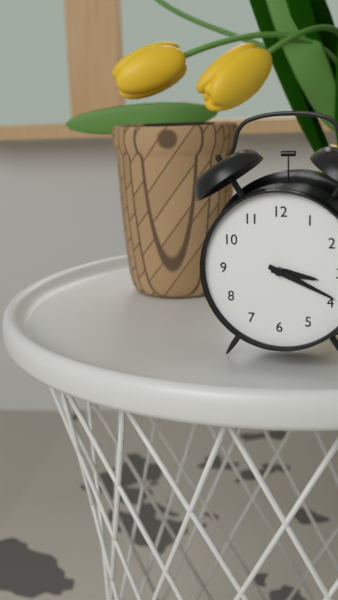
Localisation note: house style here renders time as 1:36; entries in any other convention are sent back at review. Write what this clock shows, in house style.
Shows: 3:19
